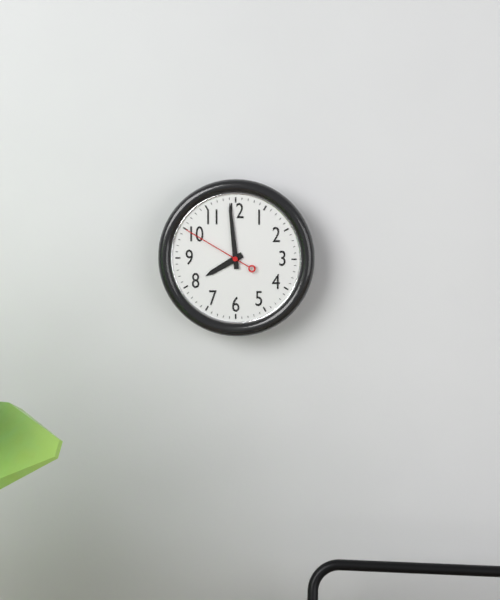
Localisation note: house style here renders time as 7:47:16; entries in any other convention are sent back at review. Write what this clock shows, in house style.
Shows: 7:59:50
